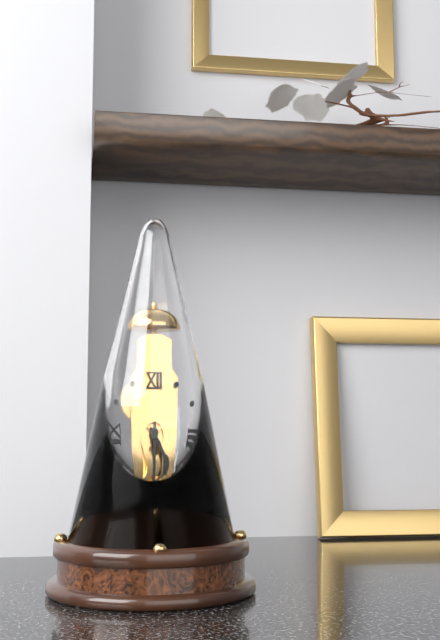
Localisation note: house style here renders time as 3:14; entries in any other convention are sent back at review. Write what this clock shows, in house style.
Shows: 4:30
